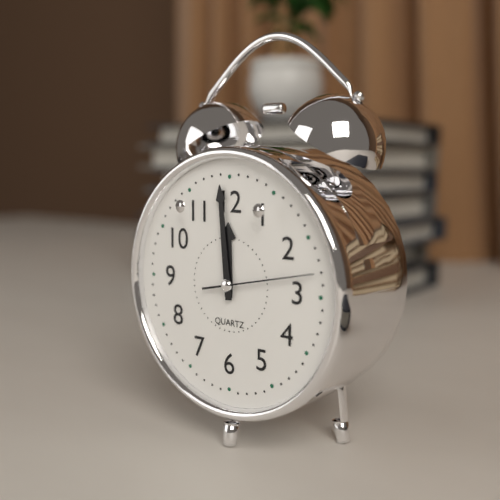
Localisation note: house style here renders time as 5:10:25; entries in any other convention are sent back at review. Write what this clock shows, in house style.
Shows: 11:59:13
